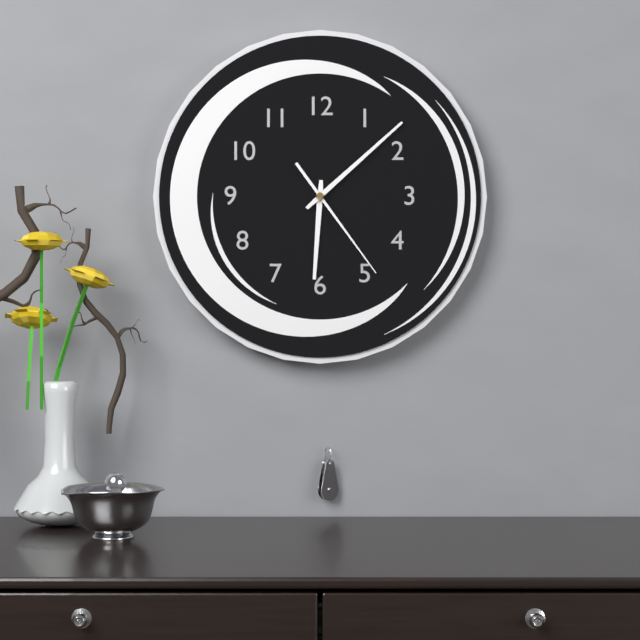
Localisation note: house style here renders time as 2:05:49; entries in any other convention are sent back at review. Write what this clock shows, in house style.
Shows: 6:08:24
